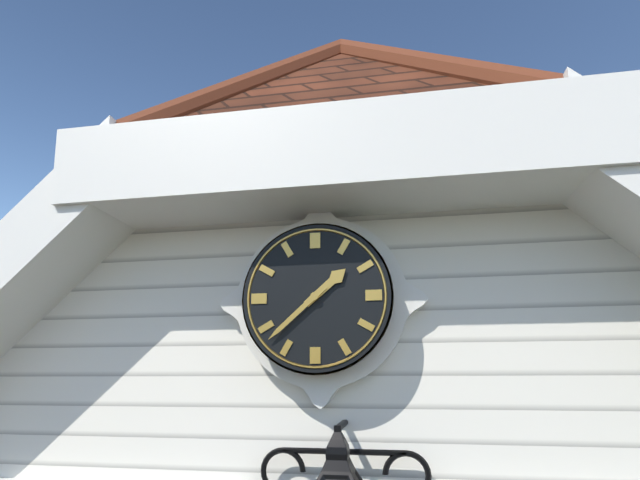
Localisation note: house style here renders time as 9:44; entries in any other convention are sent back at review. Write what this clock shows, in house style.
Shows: 1:38
